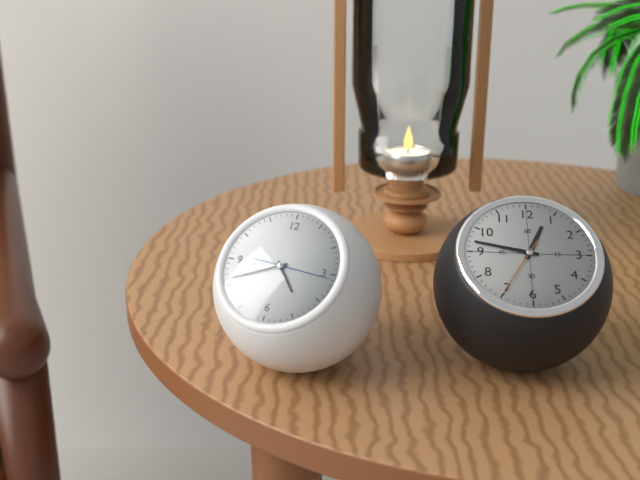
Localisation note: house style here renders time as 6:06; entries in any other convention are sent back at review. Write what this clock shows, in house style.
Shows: 4:41
